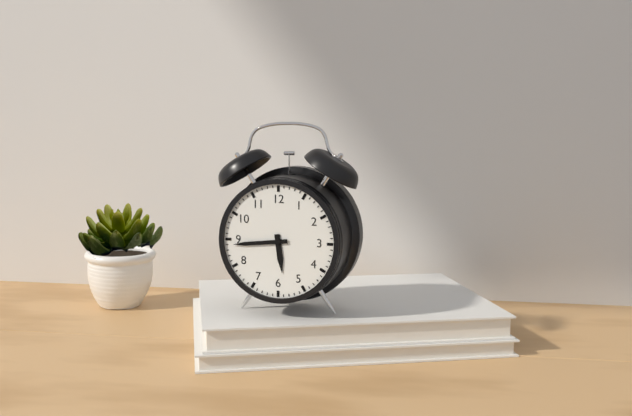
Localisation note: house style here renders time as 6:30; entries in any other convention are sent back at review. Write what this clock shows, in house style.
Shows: 5:44
